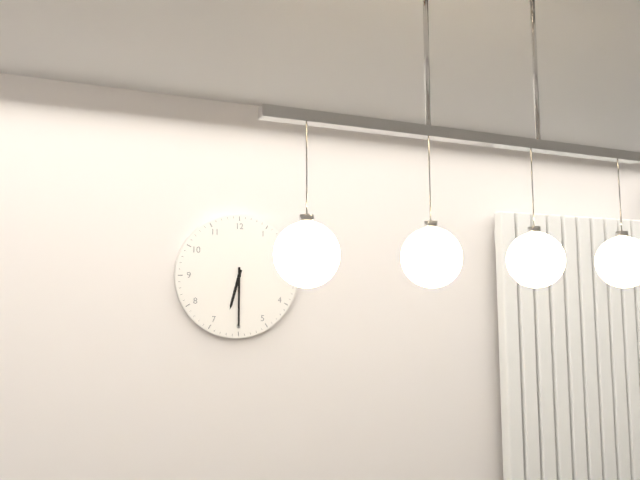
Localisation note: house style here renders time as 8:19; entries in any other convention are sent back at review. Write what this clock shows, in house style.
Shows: 6:30
